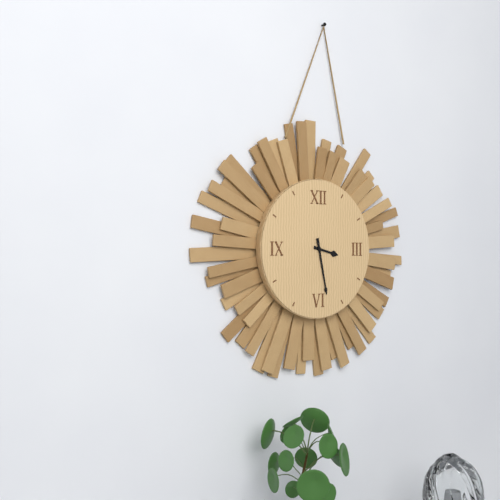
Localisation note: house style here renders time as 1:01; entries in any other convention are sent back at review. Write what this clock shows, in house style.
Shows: 3:28
